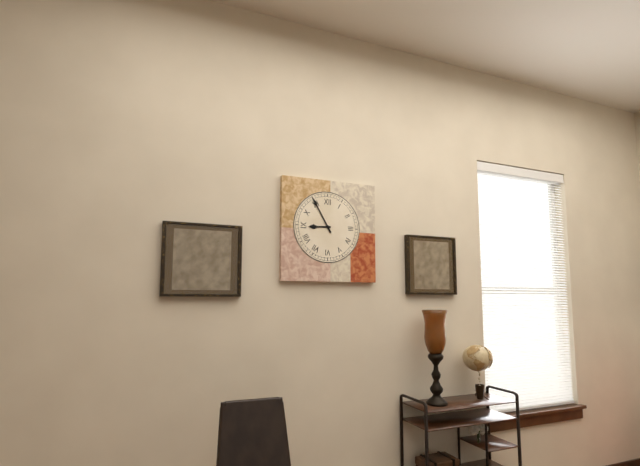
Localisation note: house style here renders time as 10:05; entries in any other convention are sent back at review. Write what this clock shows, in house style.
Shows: 8:55
